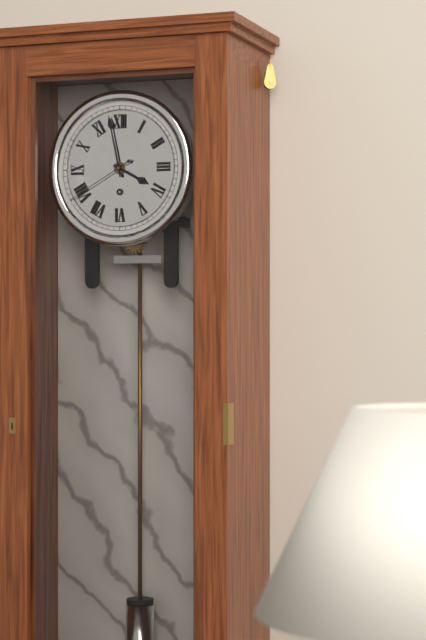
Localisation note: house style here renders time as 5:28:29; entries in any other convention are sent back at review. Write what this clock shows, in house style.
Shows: 3:58:40
